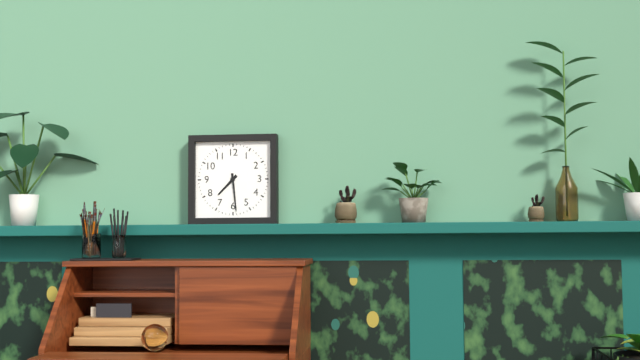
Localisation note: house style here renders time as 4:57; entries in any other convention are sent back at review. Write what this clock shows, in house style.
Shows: 7:29
